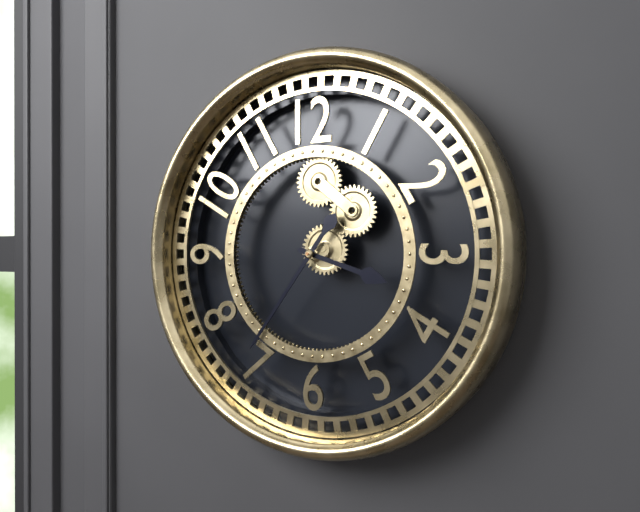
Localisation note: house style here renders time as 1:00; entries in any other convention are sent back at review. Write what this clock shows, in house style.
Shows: 3:36
